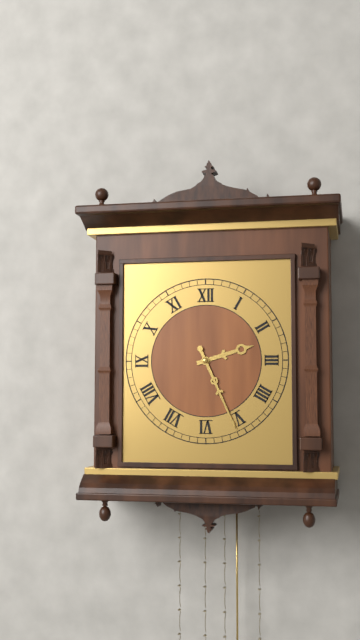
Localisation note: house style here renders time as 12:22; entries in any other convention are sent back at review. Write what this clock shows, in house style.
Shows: 2:26
